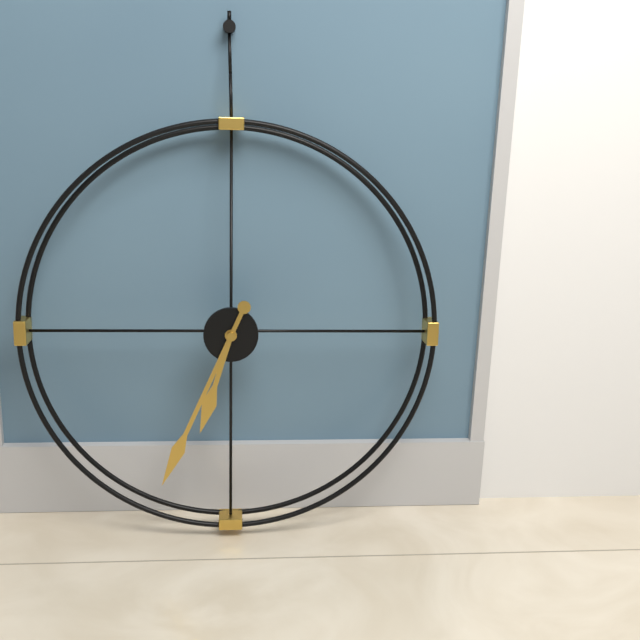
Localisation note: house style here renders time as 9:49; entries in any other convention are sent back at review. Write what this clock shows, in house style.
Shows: 6:34
